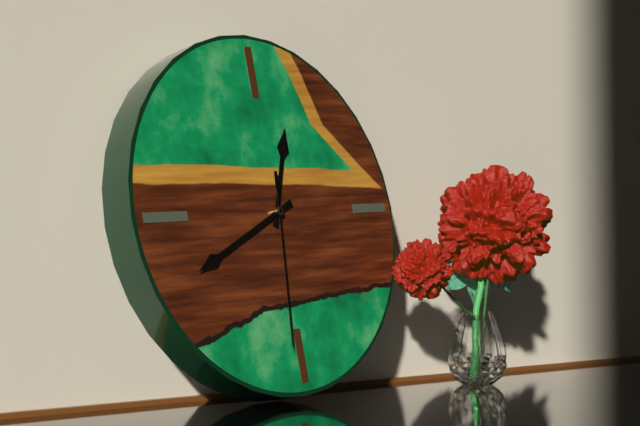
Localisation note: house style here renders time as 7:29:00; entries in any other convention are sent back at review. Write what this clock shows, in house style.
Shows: 12:41:31
